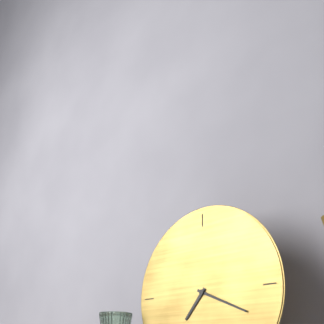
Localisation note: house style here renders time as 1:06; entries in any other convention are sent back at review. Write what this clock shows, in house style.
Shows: 7:19
